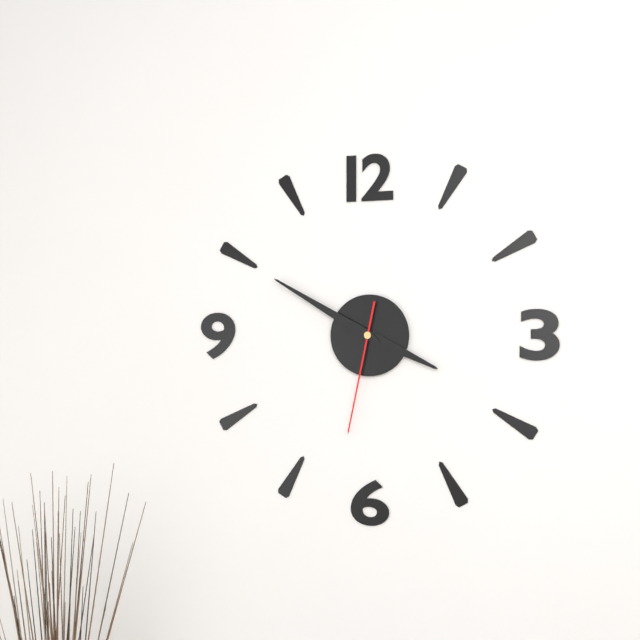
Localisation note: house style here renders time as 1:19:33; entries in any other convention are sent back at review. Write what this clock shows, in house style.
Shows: 3:50:32
